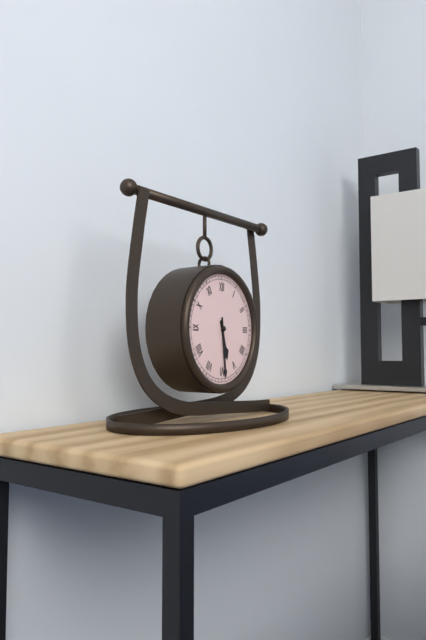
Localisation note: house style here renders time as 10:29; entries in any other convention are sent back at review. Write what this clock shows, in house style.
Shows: 5:29
